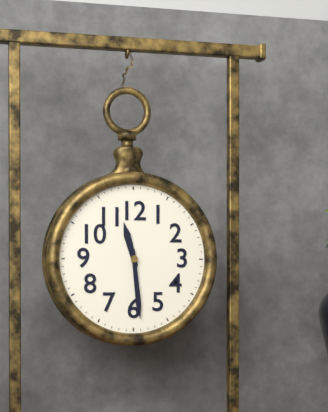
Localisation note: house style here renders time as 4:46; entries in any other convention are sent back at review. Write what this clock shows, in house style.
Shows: 11:29
